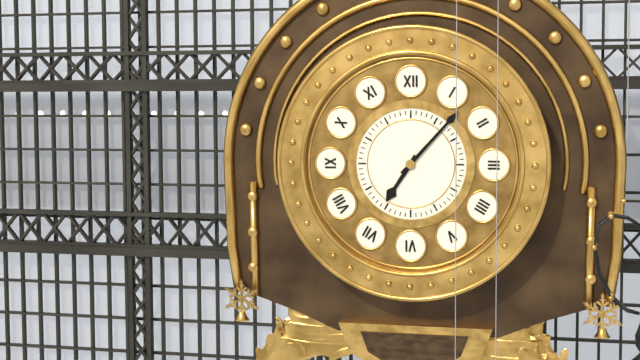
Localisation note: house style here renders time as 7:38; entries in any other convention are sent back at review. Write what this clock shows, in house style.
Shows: 7:07
